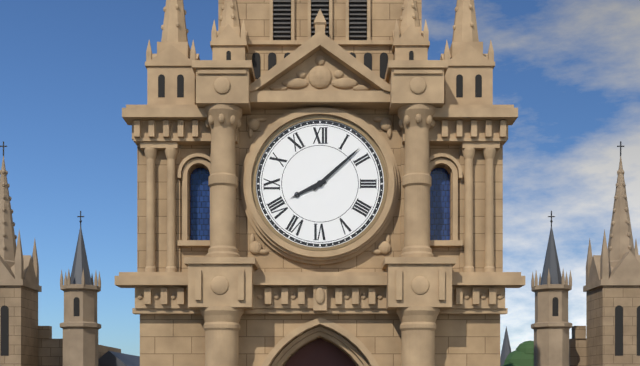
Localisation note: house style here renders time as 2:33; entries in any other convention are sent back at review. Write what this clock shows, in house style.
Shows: 8:08
